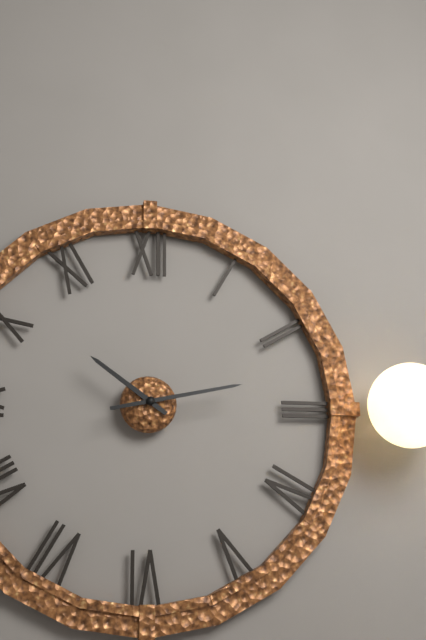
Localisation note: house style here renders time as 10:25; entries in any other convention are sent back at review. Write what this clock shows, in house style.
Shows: 10:13
